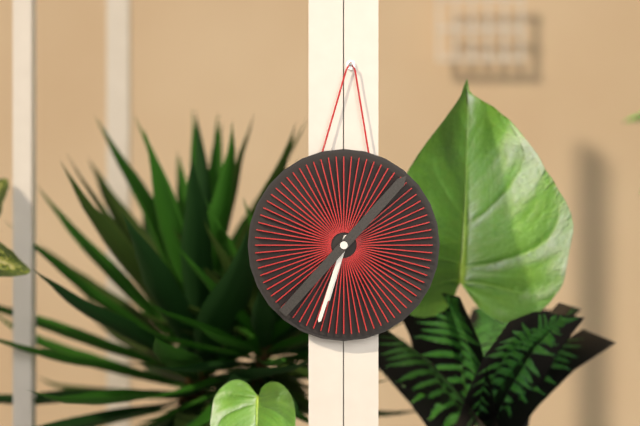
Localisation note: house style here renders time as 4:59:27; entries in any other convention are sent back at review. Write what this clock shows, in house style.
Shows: 6:33:07
